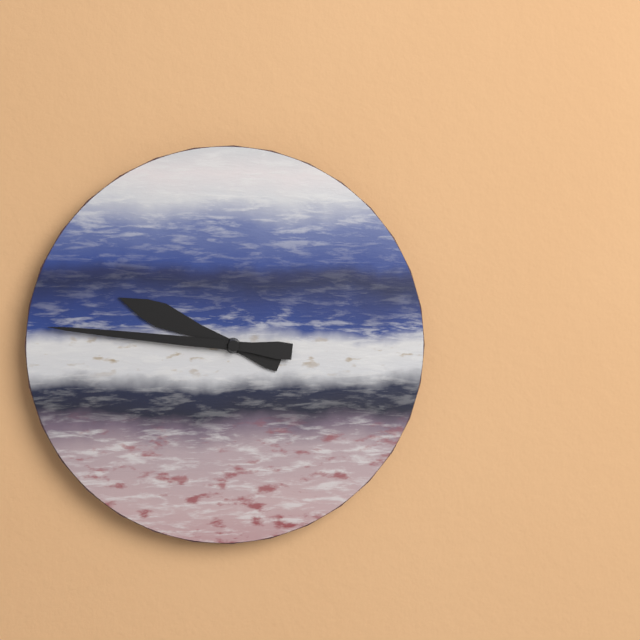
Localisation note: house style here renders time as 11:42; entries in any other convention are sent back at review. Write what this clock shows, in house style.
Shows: 9:46
